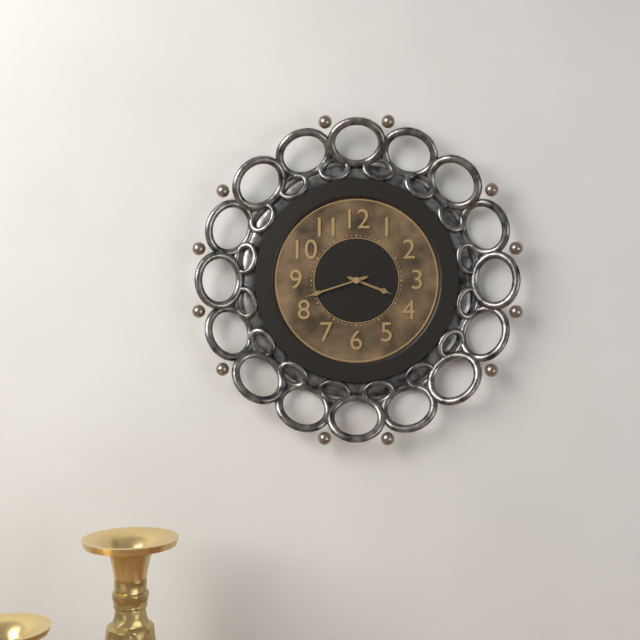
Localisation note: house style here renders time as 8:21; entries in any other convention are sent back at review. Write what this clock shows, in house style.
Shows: 3:42
